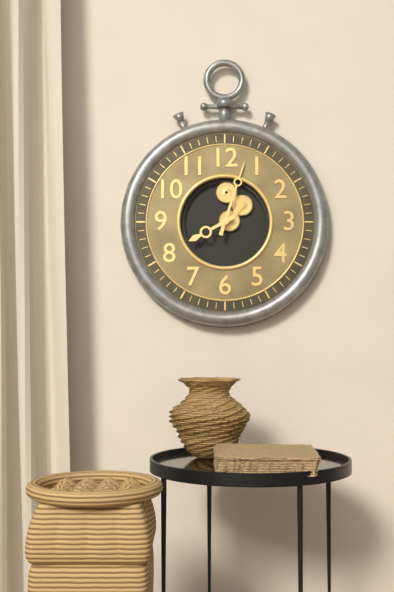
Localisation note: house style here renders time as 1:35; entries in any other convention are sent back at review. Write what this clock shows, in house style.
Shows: 8:03
